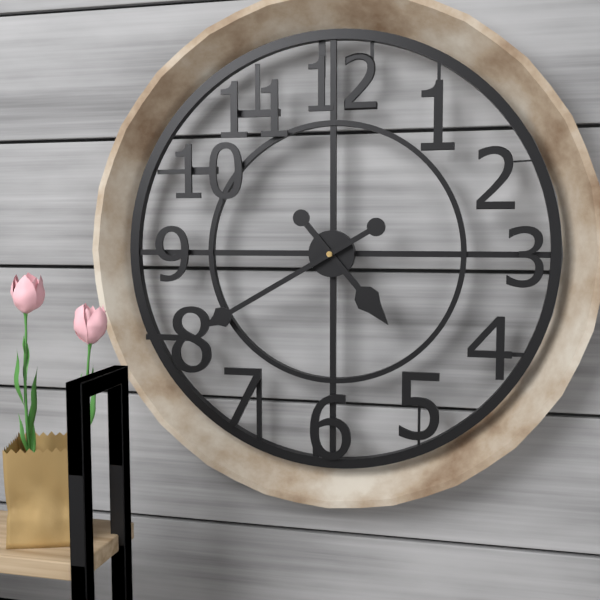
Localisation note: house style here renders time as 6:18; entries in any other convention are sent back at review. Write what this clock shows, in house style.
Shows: 4:40
